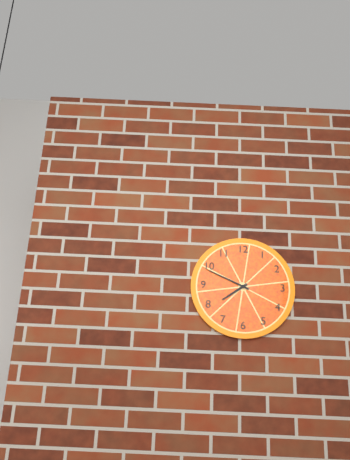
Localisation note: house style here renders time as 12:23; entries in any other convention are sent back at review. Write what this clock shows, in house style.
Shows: 7:49
